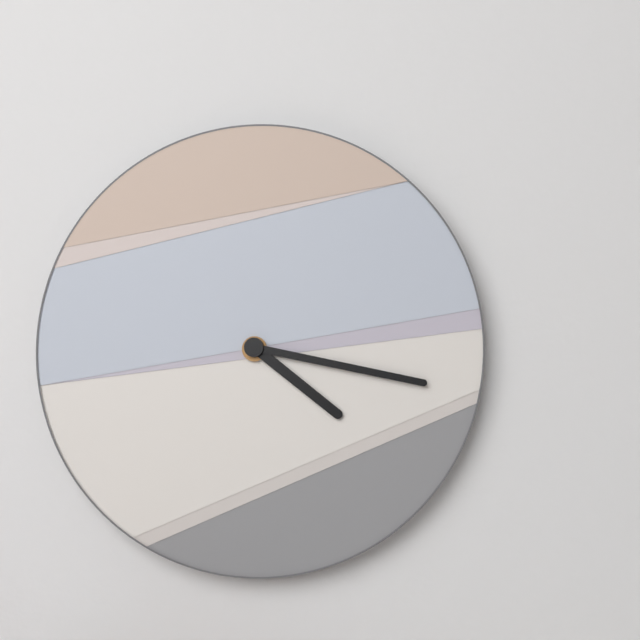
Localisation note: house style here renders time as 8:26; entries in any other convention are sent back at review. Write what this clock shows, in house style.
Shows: 4:17
